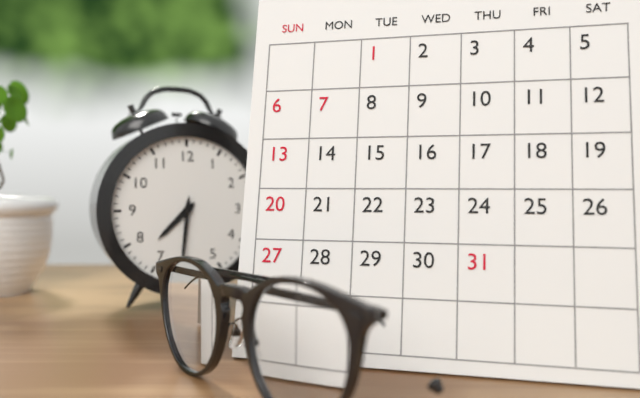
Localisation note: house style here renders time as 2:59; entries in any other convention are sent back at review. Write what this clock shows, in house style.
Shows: 7:31
